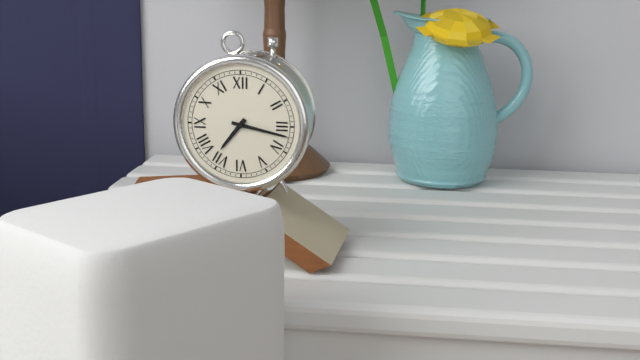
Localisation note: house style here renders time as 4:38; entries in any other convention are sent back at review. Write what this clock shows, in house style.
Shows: 7:17
